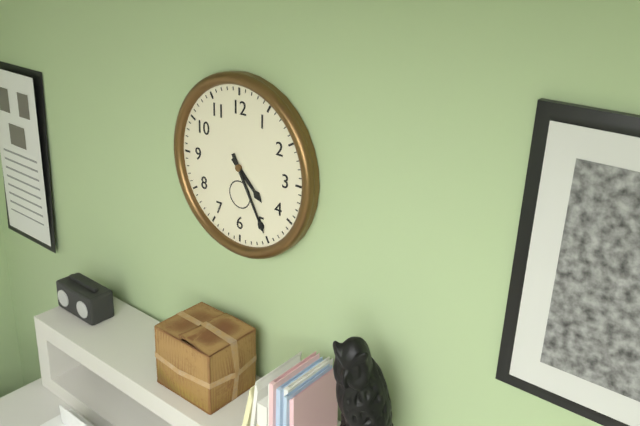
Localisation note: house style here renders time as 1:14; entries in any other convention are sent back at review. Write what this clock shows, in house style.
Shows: 4:25
